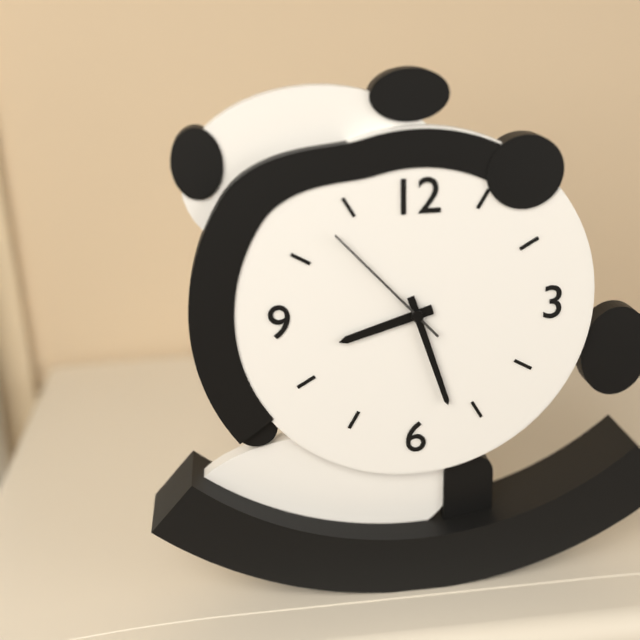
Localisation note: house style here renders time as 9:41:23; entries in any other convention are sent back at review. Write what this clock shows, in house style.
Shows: 8:27:53
